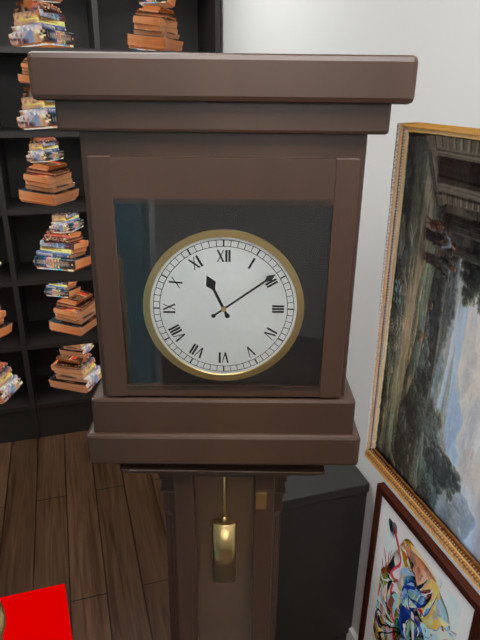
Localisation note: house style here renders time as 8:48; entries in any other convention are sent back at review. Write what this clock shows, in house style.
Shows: 11:09
